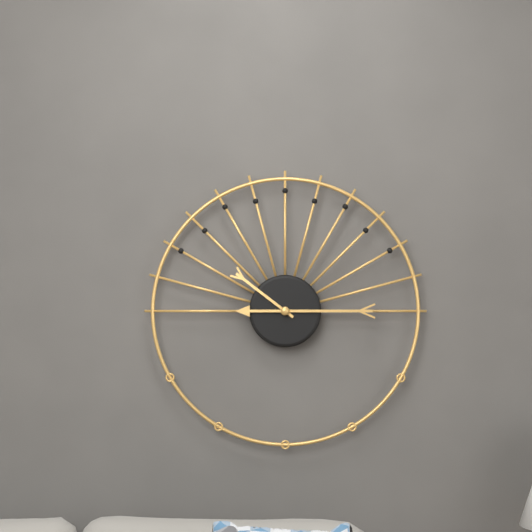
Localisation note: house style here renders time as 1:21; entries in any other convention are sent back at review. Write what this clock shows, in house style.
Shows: 10:15
